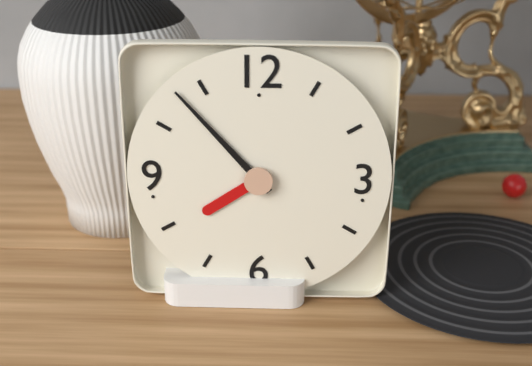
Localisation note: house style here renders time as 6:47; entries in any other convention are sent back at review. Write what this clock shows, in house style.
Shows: 7:53
